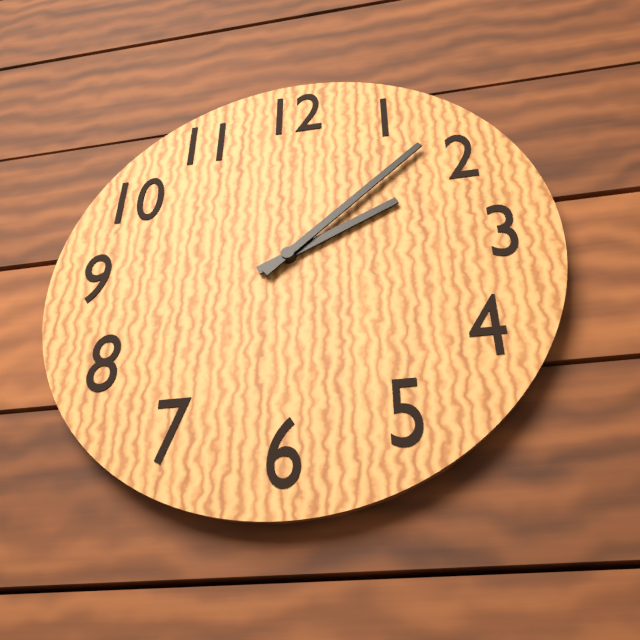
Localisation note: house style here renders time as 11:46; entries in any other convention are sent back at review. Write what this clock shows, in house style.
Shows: 2:08
